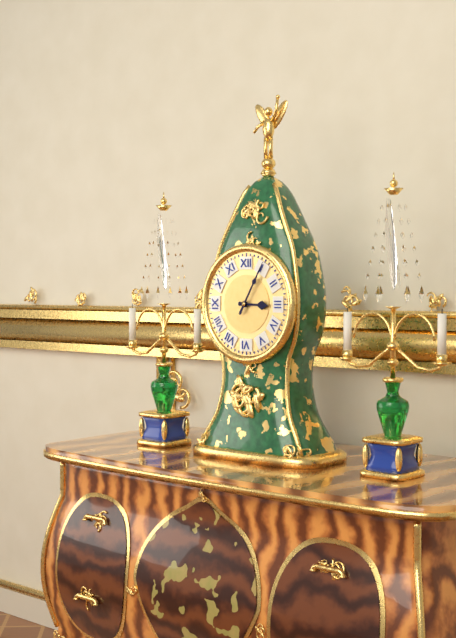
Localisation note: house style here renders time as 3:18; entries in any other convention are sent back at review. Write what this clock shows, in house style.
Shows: 3:05
